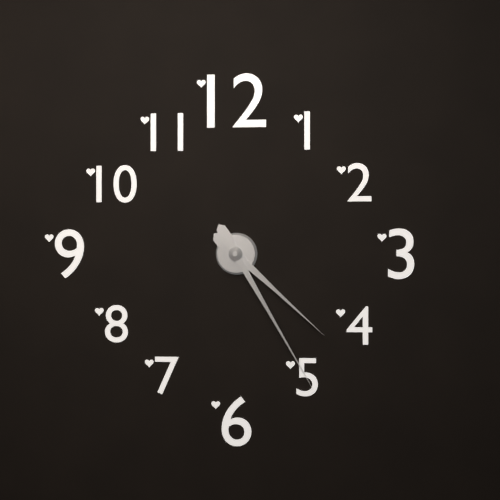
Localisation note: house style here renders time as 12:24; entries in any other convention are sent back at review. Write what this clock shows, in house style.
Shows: 4:25
